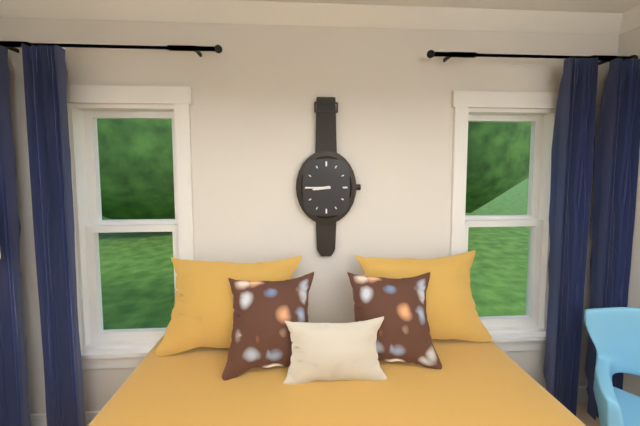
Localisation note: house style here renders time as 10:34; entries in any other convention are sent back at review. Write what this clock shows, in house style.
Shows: 8:45
